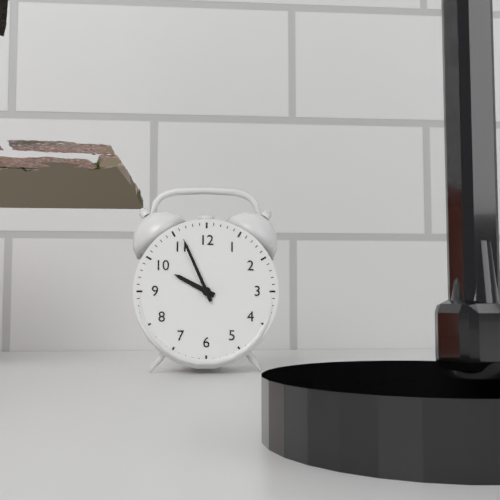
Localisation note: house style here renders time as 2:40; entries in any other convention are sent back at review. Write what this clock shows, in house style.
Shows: 9:56
